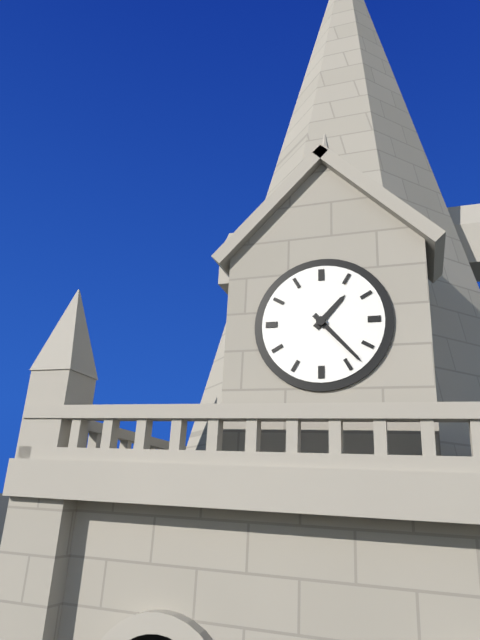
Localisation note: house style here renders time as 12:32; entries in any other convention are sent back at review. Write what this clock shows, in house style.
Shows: 1:23
